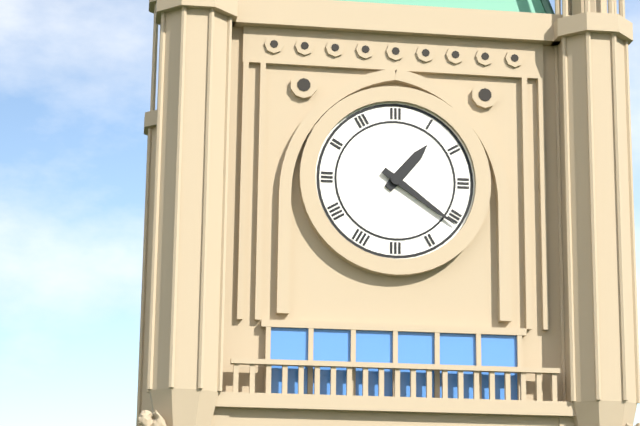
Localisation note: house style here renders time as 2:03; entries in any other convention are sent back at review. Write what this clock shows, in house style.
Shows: 1:21
